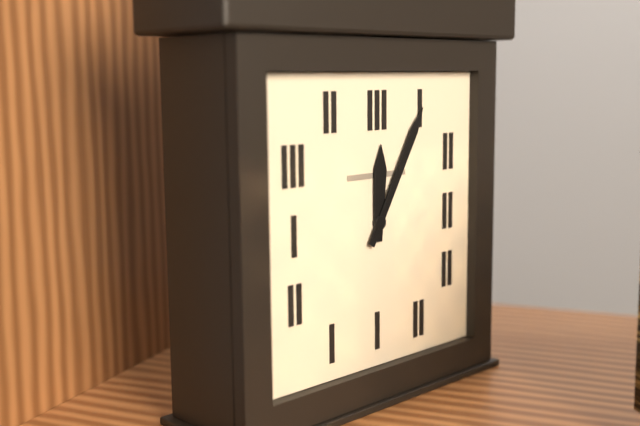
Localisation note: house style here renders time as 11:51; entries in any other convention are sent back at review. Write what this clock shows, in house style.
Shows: 12:05
